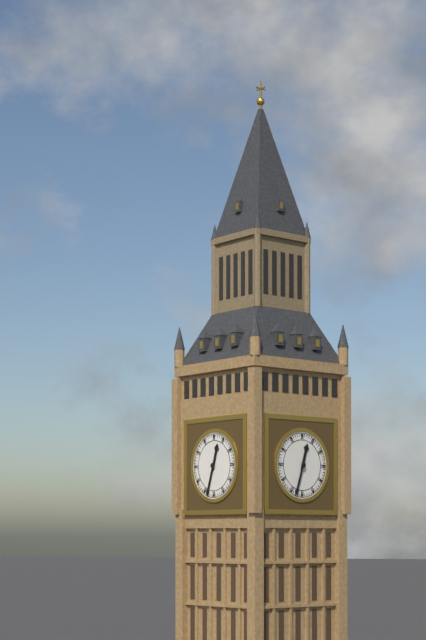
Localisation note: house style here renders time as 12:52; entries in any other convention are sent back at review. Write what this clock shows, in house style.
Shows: 12:33
